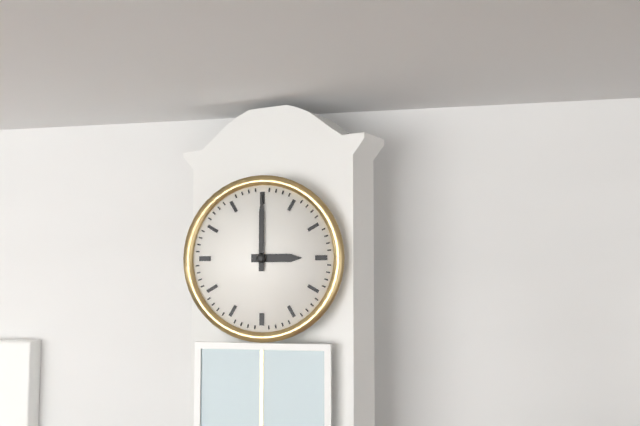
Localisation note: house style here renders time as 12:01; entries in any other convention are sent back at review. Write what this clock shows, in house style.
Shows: 3:00
